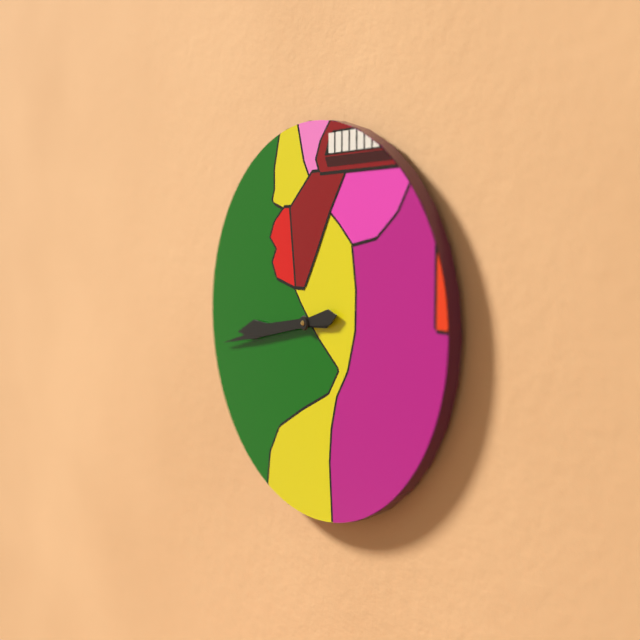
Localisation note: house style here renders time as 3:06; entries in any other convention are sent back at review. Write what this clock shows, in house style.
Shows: 8:43
